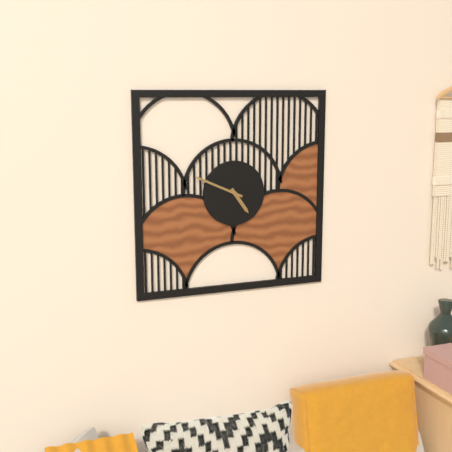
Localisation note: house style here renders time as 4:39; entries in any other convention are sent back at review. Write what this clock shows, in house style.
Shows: 4:49
